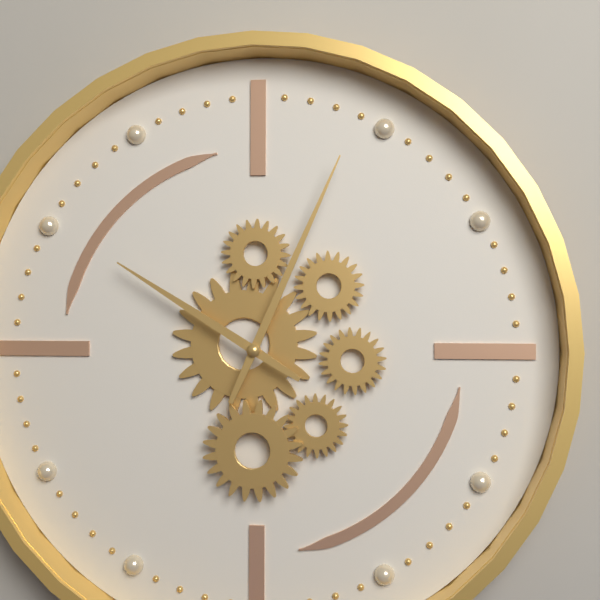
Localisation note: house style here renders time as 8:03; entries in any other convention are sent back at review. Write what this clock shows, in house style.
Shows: 10:04
